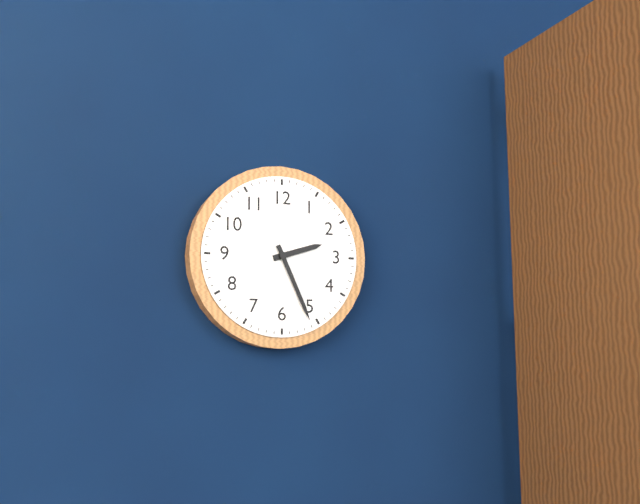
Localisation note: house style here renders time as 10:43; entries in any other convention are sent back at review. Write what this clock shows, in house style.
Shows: 2:26
